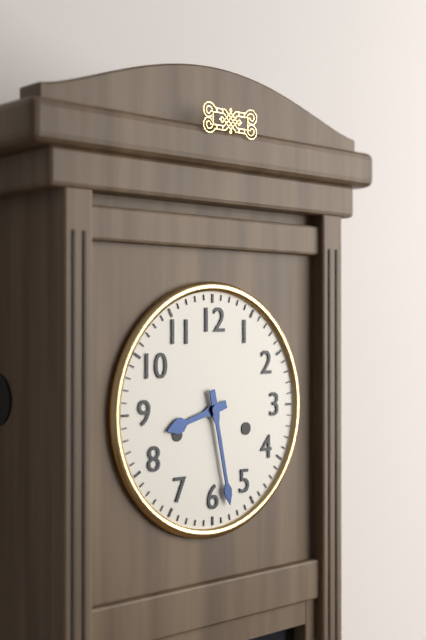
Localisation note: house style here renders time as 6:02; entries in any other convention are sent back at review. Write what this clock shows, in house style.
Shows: 8:28
